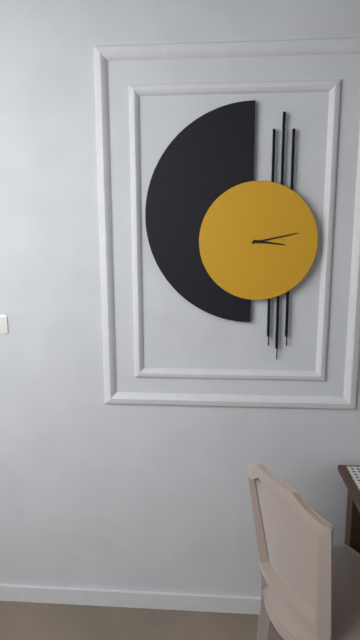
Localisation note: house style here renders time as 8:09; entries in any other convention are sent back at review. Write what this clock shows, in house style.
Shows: 3:13
